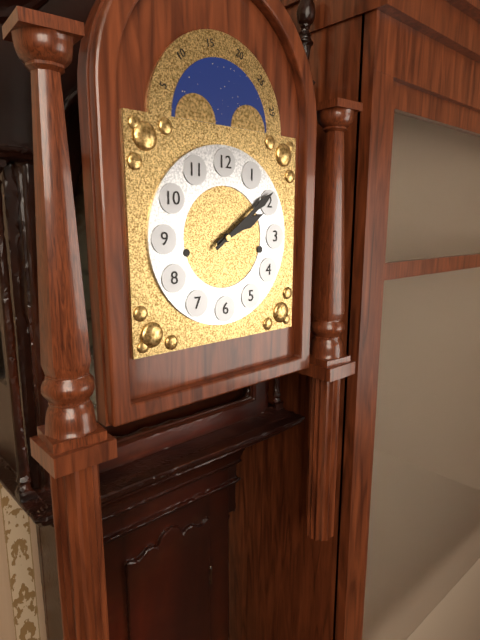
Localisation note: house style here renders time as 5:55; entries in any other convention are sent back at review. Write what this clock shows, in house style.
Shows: 2:09
